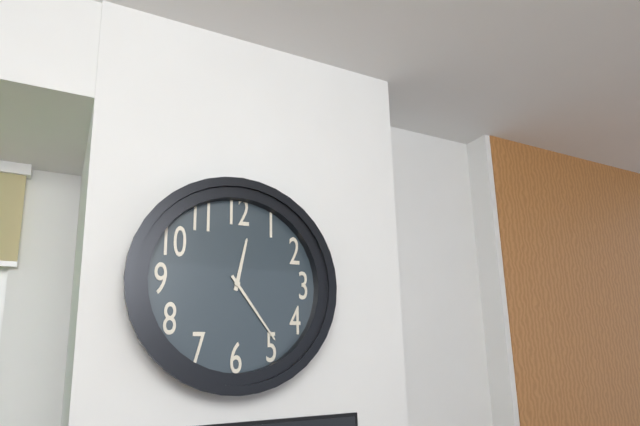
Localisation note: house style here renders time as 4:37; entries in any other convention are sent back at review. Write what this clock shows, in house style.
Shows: 12:24
